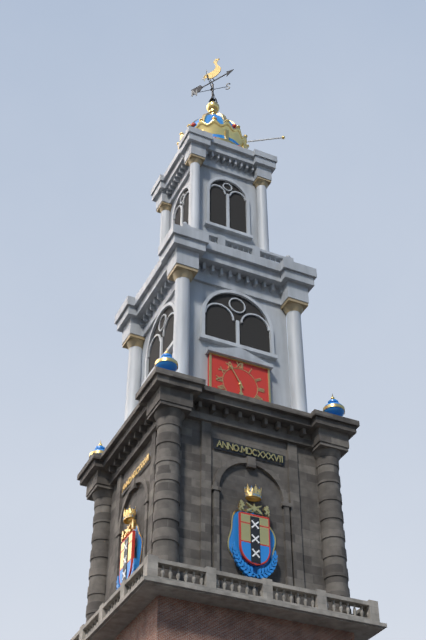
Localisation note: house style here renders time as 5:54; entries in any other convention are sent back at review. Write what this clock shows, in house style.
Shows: 5:55
